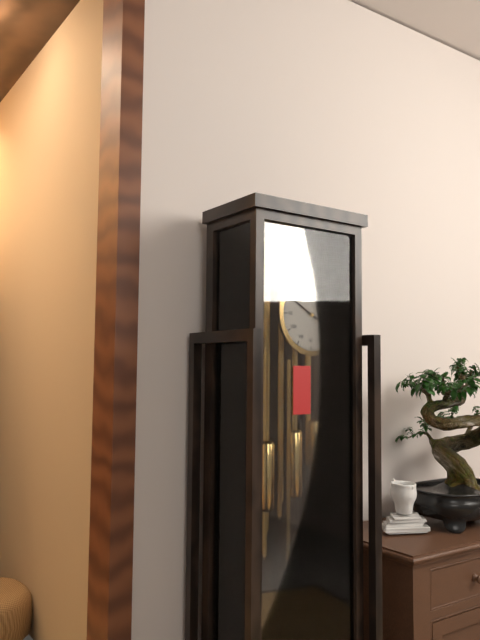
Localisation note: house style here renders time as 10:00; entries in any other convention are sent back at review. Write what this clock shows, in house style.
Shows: 3:50
